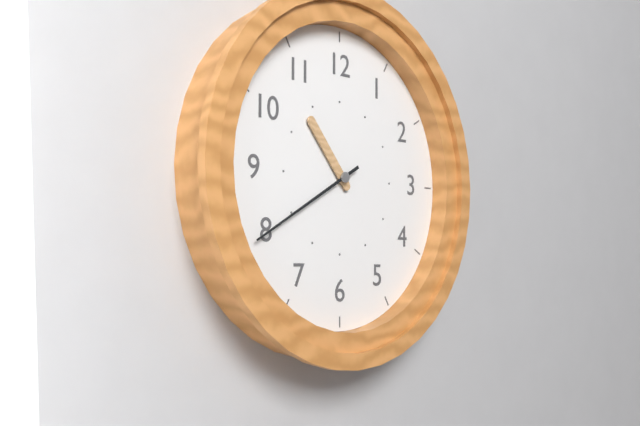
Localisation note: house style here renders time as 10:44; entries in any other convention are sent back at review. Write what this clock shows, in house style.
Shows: 10:40
